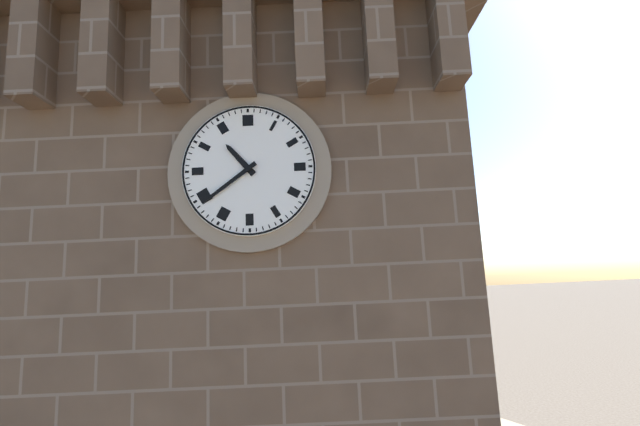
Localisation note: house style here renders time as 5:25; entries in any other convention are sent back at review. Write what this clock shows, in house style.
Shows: 10:39
